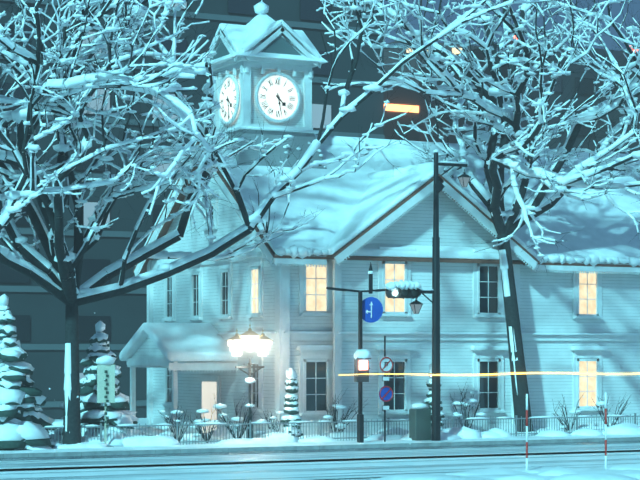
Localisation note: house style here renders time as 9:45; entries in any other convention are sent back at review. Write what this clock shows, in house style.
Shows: 4:28
